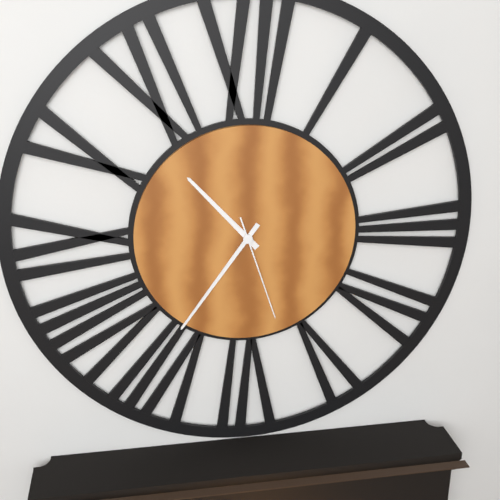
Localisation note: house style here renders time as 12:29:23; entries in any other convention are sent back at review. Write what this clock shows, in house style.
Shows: 10:36:27
